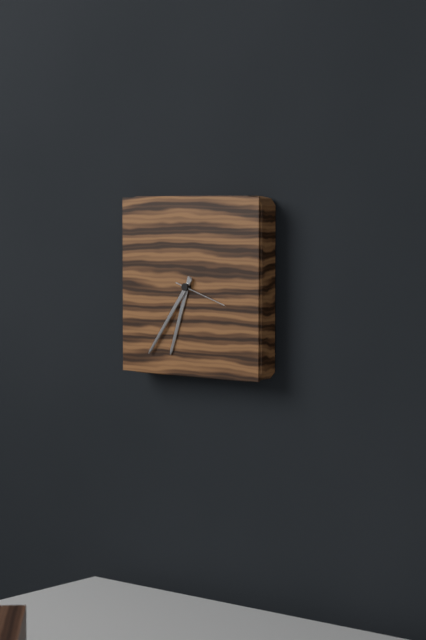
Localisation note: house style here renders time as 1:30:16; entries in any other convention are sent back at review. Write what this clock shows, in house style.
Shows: 6:36:18
